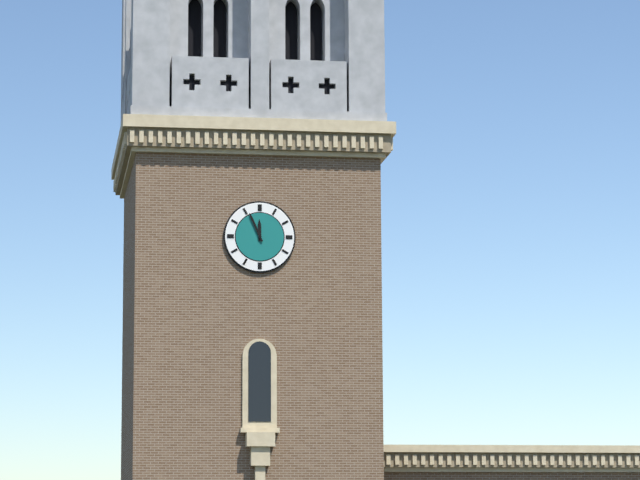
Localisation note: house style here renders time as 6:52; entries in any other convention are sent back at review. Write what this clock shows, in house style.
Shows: 11:56
